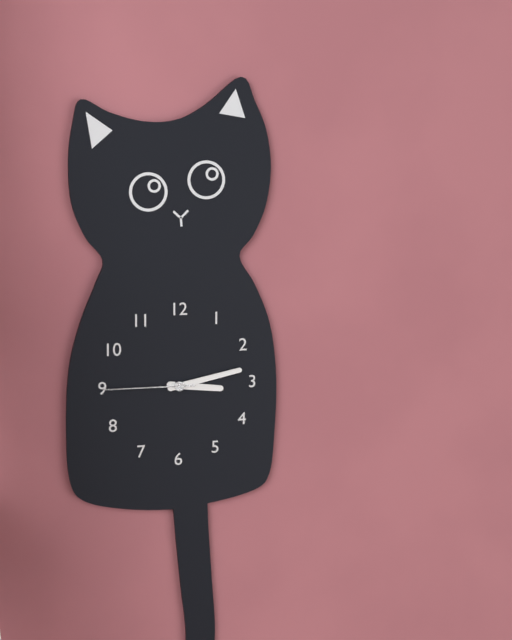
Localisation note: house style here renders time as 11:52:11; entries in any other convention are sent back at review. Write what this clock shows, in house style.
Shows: 3:13:45
